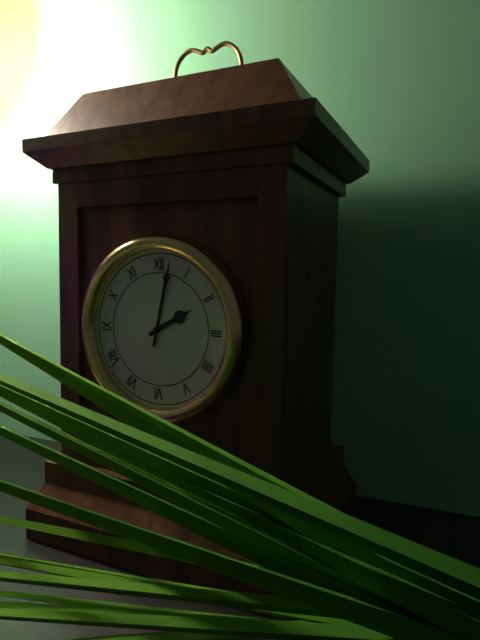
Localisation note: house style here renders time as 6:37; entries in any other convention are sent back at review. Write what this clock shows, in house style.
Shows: 2:02
